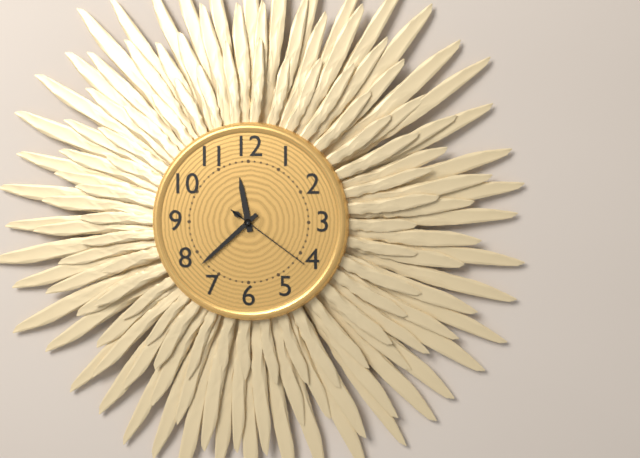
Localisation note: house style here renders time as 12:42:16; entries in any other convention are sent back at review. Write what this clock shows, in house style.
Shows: 11:38:21
